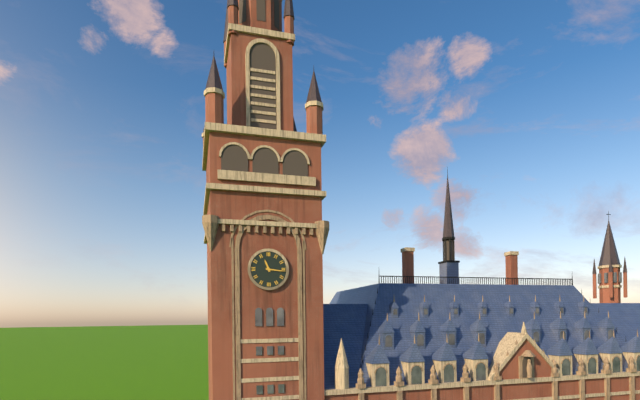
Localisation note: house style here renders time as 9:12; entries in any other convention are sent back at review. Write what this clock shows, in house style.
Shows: 11:16
